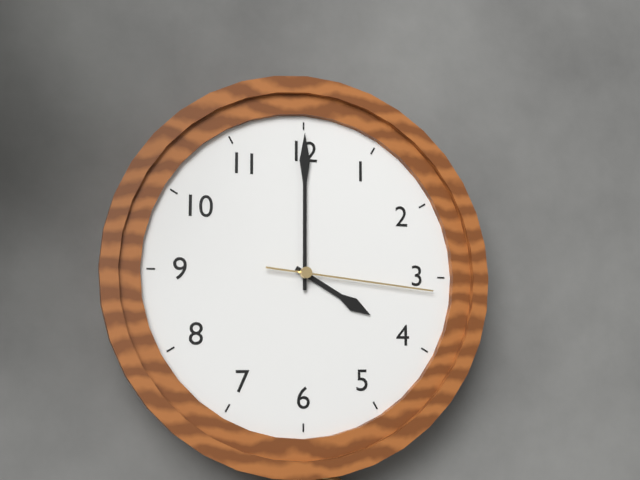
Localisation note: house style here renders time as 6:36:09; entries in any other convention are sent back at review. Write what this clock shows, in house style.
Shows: 4:00:16
